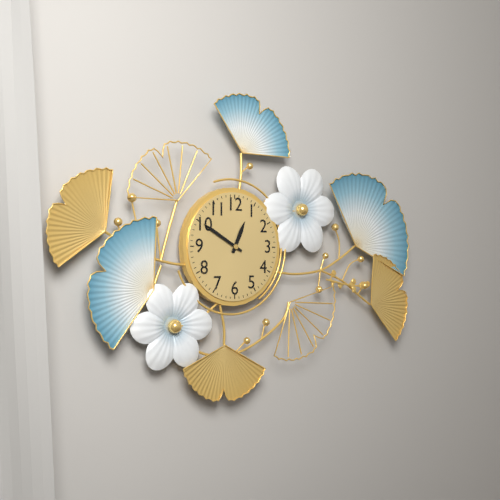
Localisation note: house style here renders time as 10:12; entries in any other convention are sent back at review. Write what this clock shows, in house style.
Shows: 12:50
